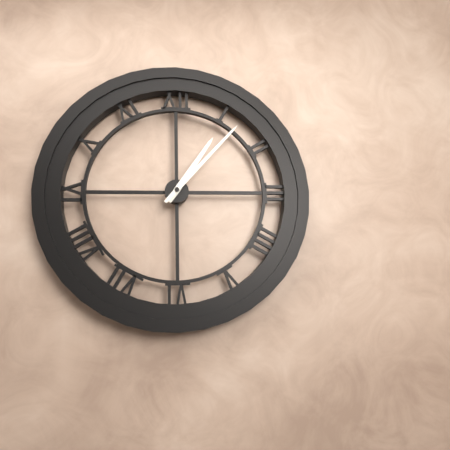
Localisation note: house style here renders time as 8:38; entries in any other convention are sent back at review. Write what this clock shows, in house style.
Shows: 1:07
